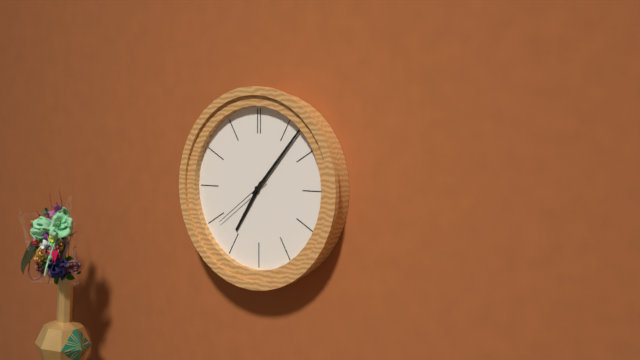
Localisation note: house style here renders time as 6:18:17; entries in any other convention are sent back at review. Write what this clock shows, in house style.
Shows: 7:07:39
